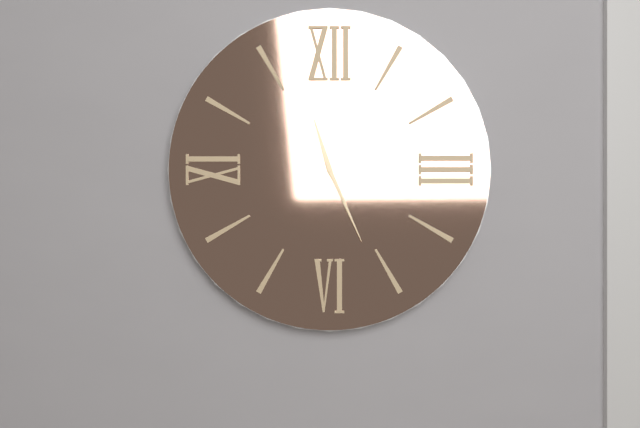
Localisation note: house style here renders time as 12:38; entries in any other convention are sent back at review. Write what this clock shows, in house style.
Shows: 11:26
